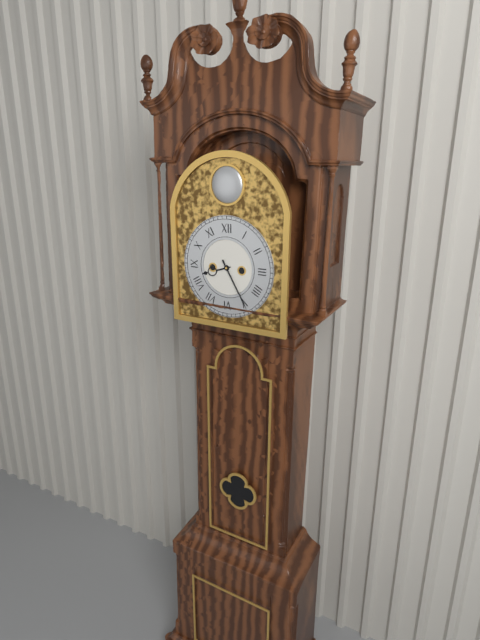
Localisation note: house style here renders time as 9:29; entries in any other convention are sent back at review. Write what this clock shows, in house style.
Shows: 8:25
